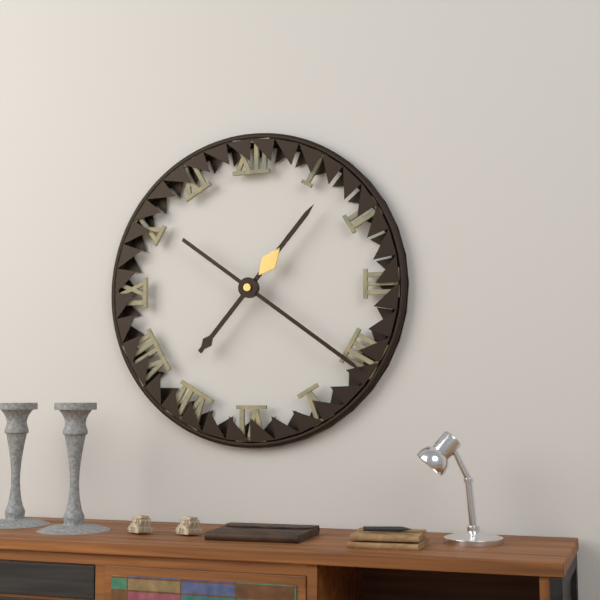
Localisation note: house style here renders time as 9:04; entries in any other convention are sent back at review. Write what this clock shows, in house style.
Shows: 1:21
